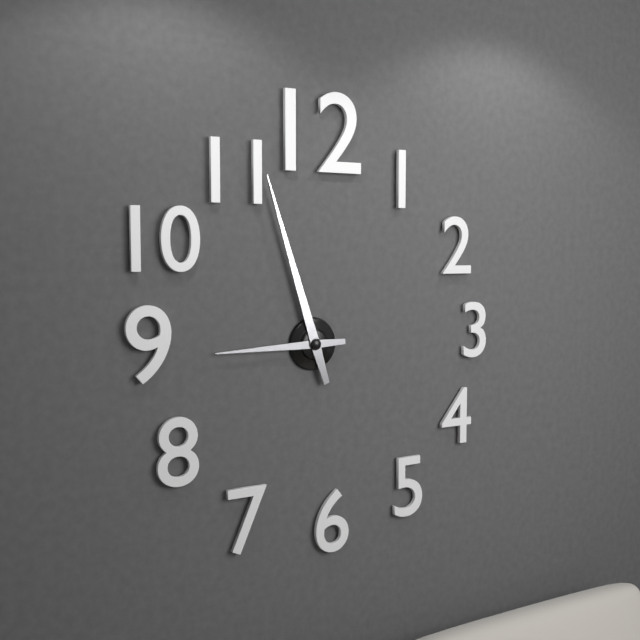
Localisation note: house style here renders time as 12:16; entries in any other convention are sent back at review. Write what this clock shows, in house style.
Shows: 8:57
